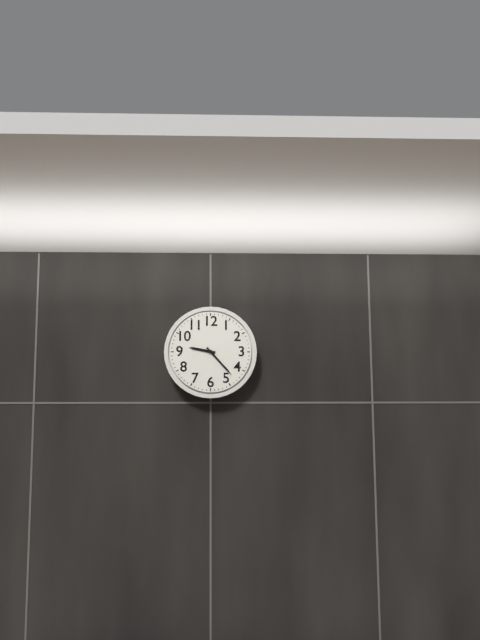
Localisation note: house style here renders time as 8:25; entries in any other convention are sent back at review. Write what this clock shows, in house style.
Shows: 9:23
